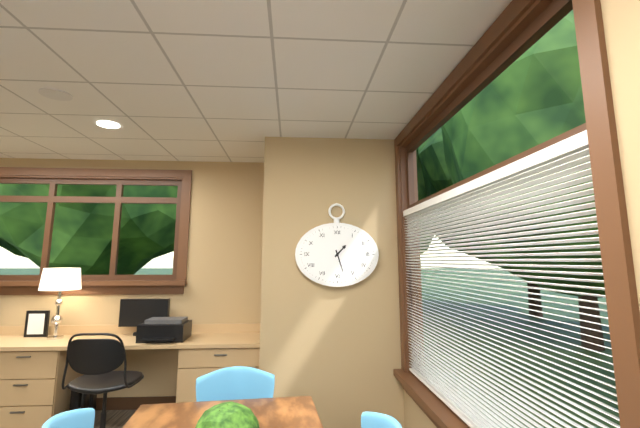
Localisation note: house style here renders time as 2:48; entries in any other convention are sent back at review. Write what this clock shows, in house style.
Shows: 1:27
